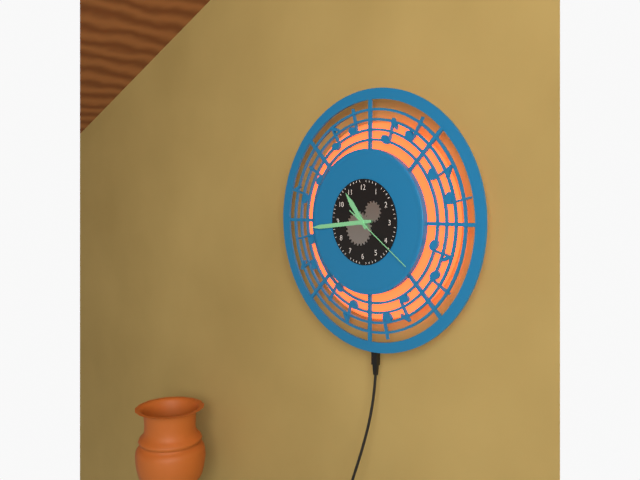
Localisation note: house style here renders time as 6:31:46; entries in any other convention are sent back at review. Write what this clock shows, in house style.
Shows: 10:44:21
